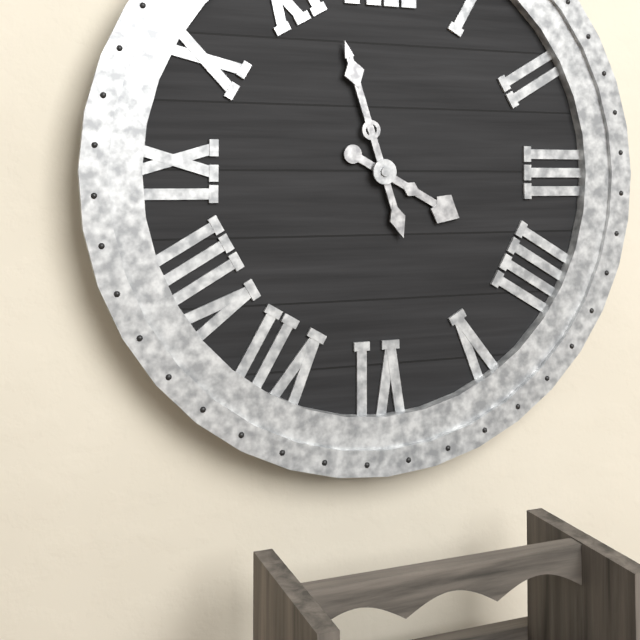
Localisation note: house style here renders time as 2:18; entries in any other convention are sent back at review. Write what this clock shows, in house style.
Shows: 3:57
